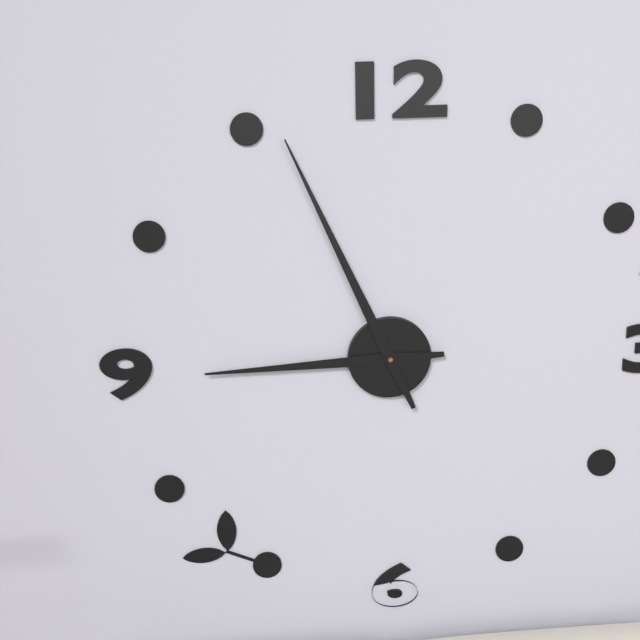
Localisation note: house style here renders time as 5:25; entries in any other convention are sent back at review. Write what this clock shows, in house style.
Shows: 8:56
